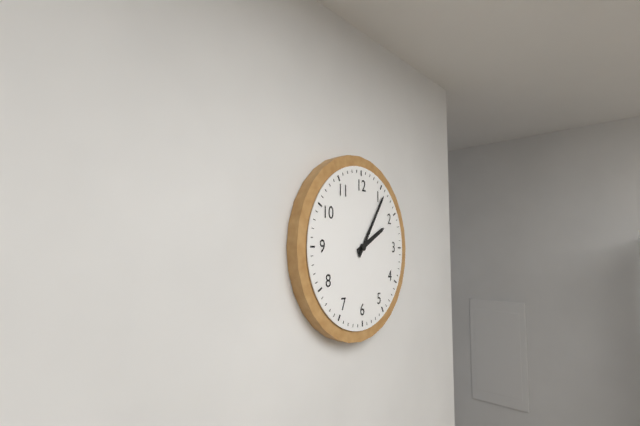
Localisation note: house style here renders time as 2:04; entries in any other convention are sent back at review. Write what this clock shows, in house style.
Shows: 2:06
